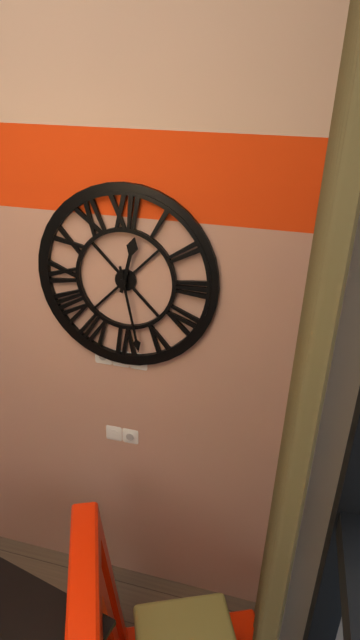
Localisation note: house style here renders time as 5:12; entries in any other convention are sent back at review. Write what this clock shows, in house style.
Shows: 12:28
